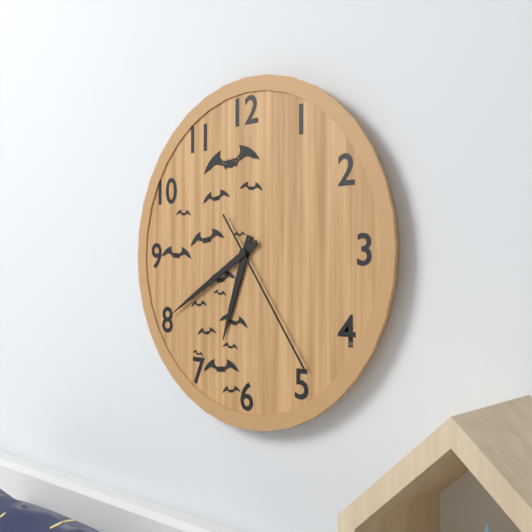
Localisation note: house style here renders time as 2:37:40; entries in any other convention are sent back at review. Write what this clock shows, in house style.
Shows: 6:40:24
